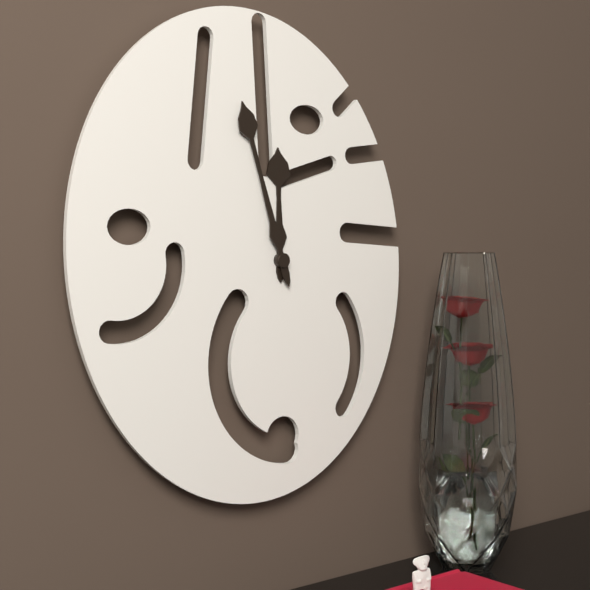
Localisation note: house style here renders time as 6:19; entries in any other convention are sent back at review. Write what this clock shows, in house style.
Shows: 11:57
